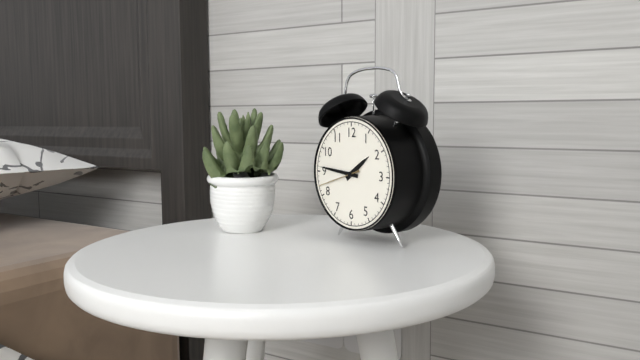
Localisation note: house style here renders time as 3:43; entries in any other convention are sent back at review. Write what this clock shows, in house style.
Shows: 1:46
